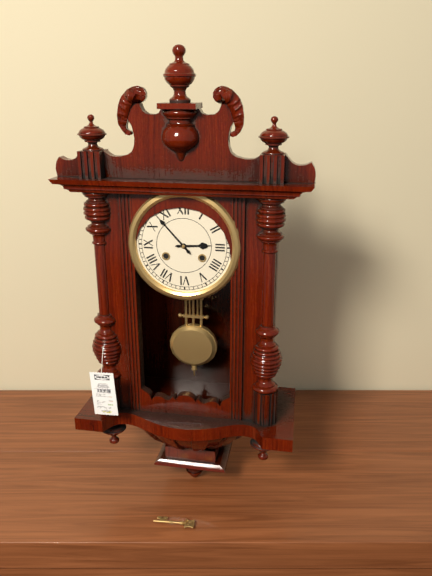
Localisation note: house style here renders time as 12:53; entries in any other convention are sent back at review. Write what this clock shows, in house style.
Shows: 2:53
